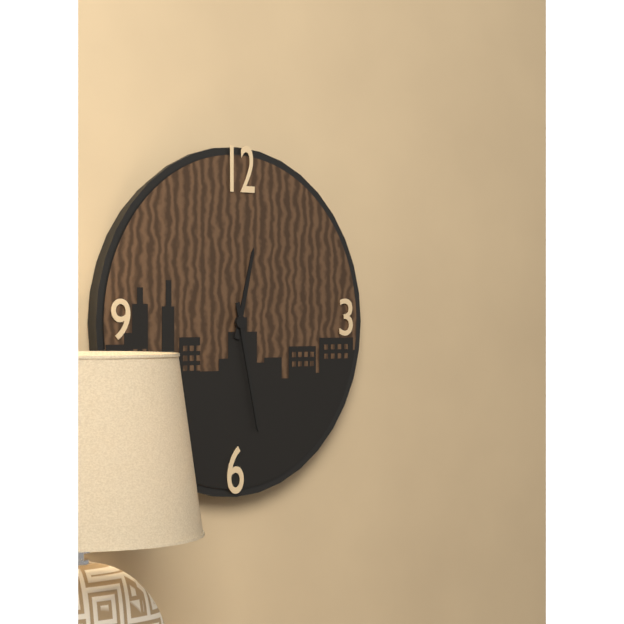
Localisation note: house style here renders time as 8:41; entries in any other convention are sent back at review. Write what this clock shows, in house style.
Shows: 12:28
